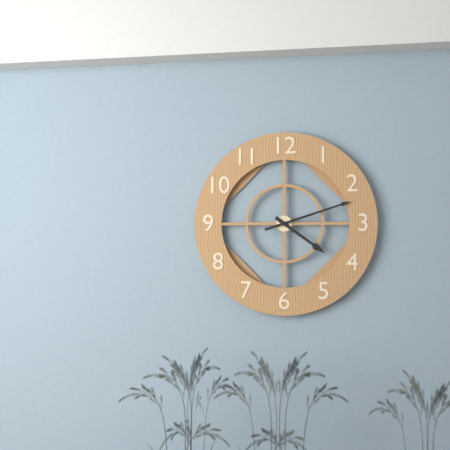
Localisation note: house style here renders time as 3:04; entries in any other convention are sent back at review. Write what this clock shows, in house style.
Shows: 4:12
